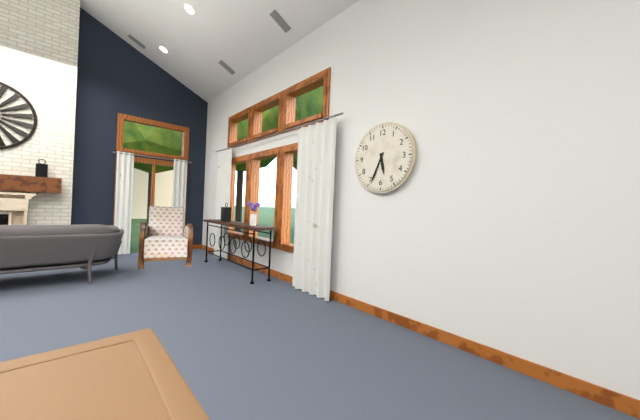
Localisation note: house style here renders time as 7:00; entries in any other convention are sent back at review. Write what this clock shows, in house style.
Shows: 5:34
